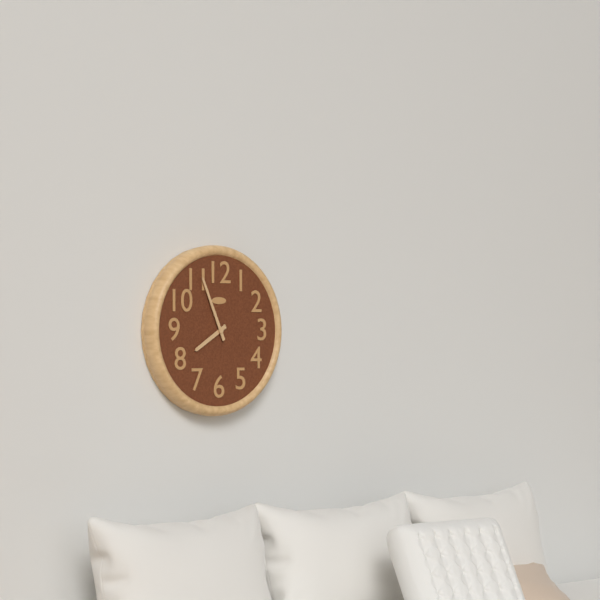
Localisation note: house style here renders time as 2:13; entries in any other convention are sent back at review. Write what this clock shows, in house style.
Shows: 7:56
